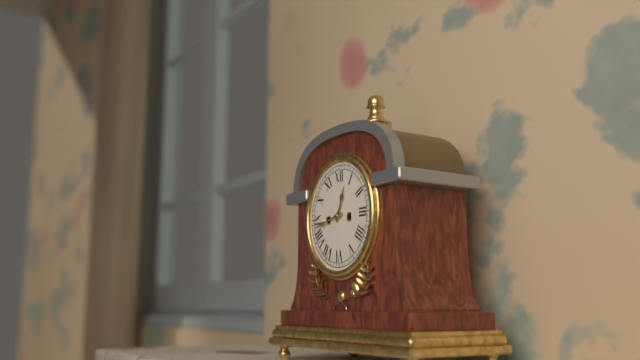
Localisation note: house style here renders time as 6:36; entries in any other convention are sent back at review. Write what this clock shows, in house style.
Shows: 12:43
